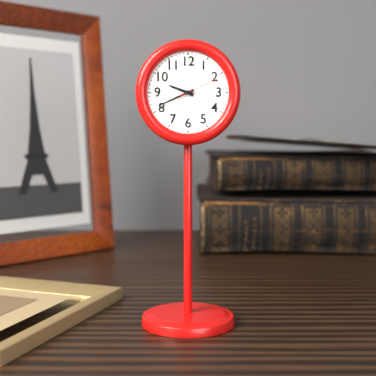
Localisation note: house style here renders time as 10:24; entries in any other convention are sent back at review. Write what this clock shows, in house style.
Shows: 9:41
